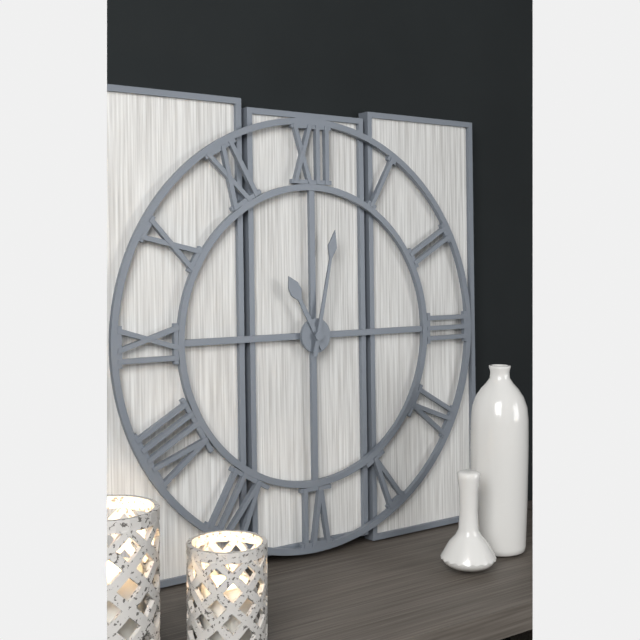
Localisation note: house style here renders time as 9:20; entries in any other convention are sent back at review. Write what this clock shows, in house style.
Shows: 11:02
